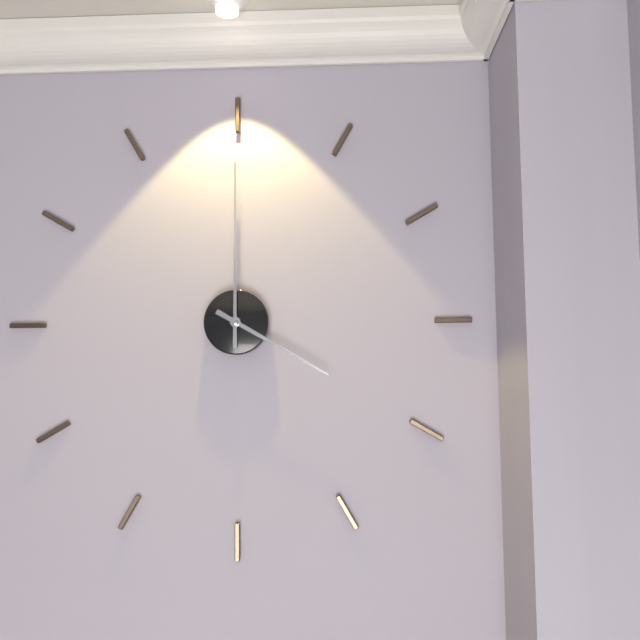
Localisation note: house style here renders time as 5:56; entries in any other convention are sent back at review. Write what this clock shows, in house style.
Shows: 4:00
